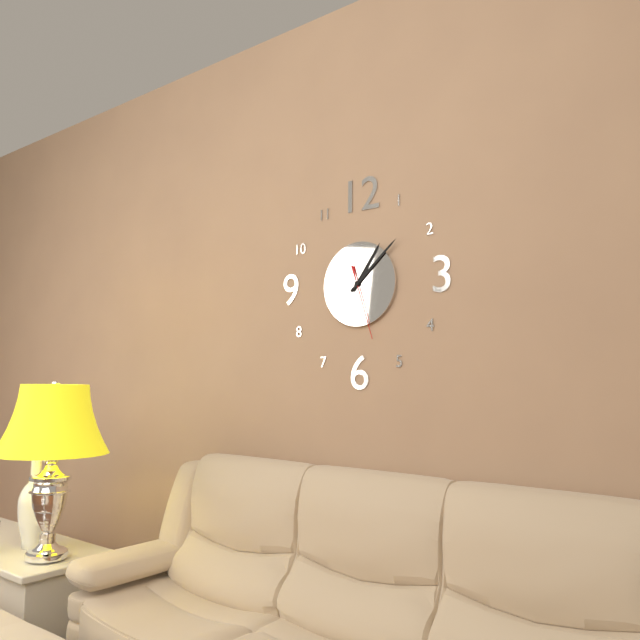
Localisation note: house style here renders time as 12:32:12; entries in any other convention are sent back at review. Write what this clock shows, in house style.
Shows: 1:08:27
